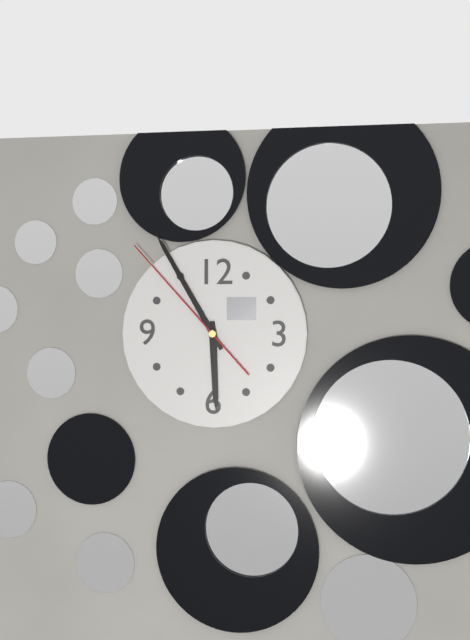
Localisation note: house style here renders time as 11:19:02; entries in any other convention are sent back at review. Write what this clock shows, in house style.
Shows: 5:55:53
